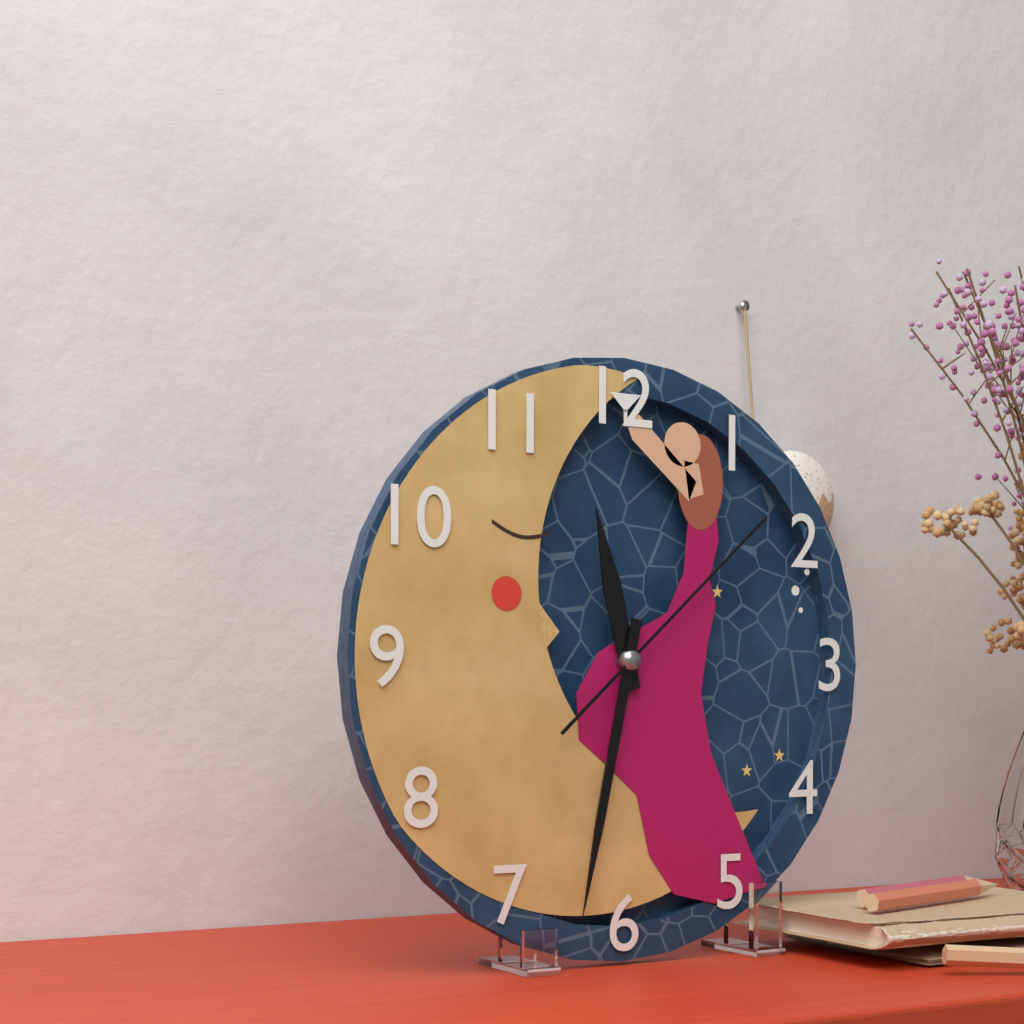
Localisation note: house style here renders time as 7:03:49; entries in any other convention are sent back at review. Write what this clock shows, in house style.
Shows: 11:32:08
